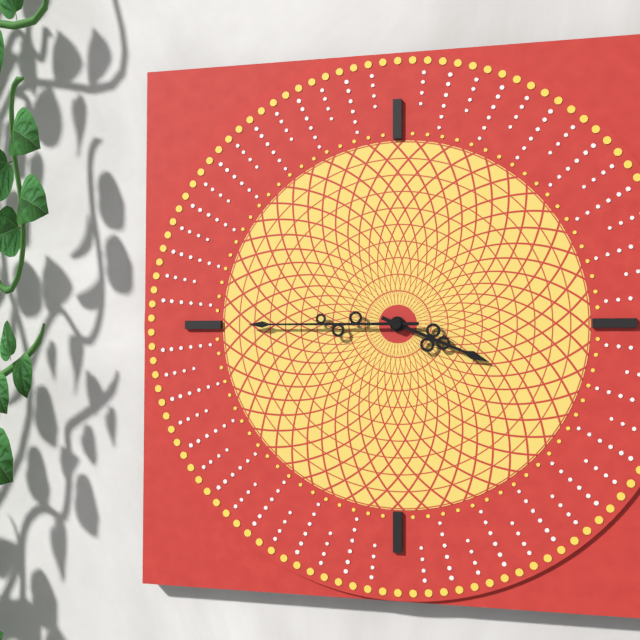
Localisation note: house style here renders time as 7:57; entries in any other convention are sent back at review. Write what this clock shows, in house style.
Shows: 3:45
